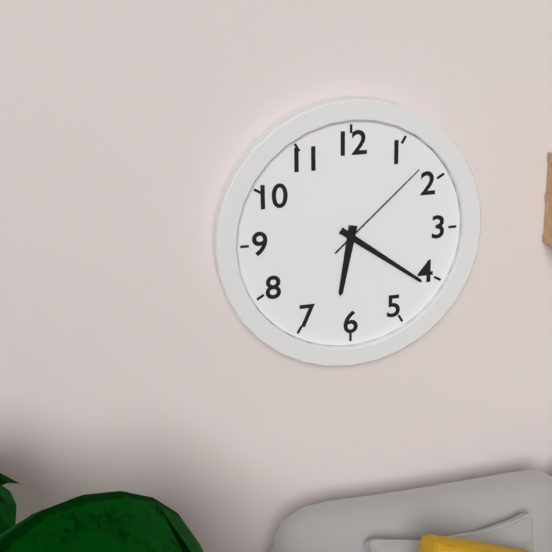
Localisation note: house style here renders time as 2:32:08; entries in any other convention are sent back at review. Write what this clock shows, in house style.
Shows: 6:21:08
